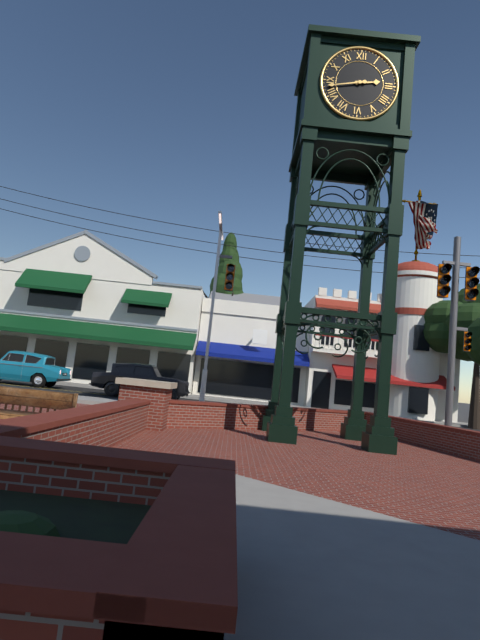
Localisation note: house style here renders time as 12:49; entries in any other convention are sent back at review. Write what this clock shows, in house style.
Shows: 2:43
